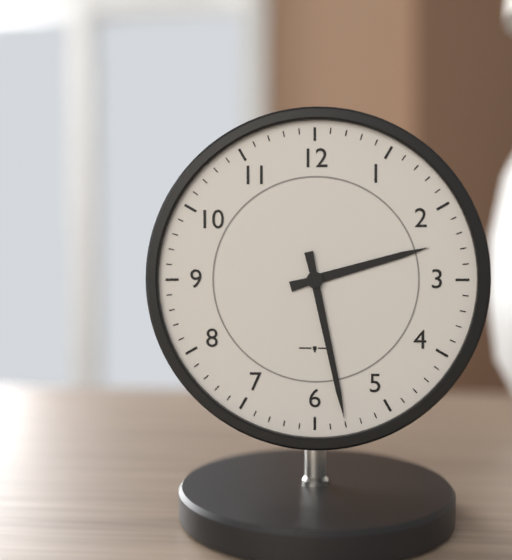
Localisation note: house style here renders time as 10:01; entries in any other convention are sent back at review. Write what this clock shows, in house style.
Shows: 2:28
